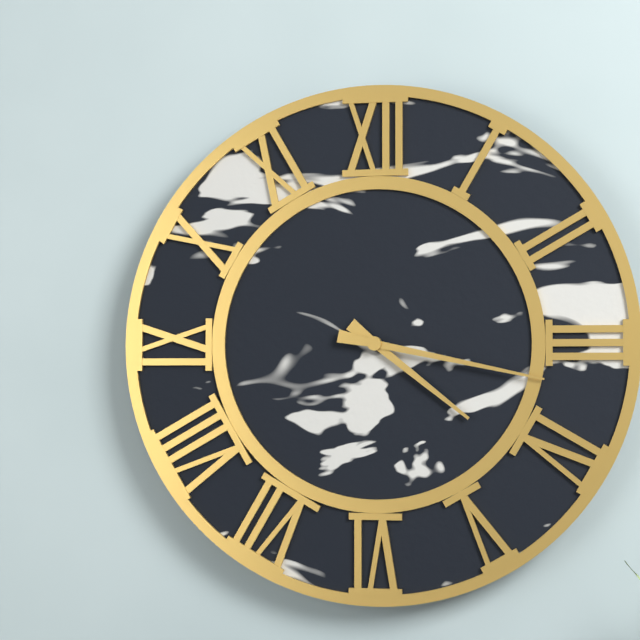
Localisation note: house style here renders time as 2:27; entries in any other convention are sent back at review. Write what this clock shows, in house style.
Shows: 4:17
